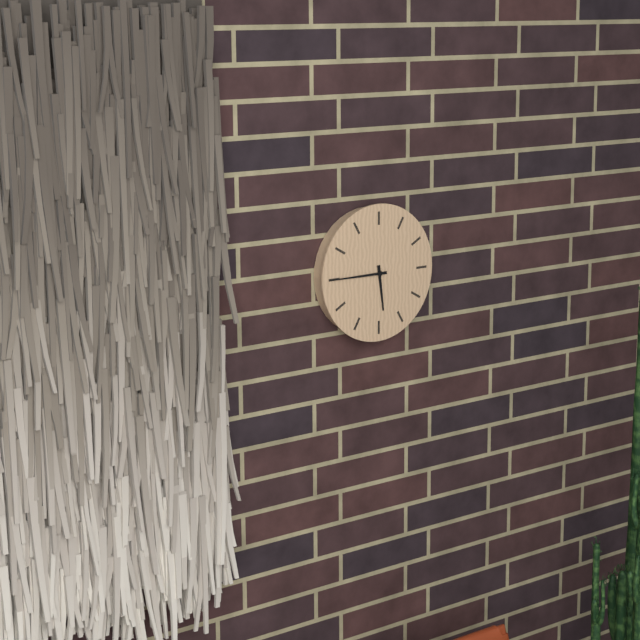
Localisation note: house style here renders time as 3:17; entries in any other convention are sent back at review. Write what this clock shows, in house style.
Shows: 5:45
